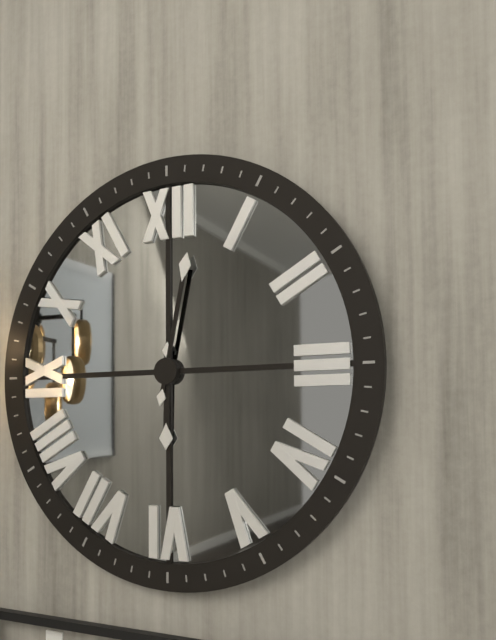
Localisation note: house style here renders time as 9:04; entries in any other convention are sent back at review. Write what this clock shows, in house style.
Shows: 6:02
